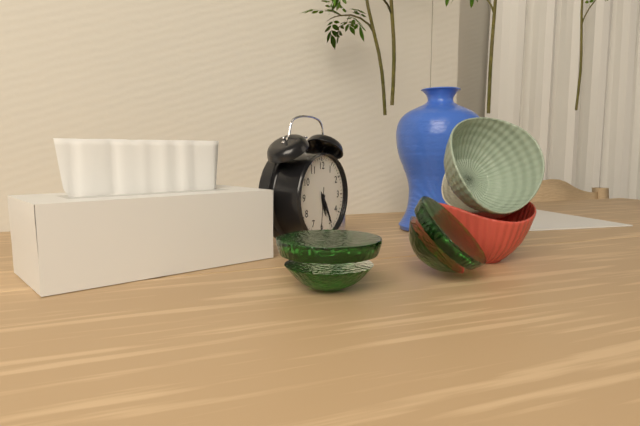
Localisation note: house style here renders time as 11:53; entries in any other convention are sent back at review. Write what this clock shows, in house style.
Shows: 5:25
